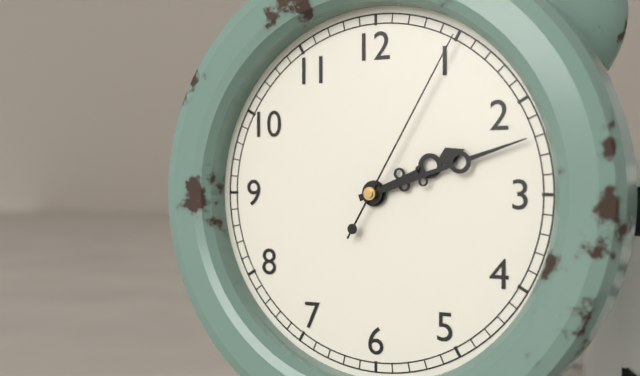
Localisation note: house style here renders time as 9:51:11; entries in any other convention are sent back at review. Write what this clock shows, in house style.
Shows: 2:12:05
